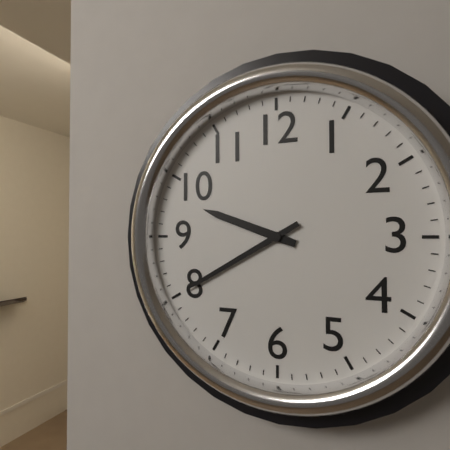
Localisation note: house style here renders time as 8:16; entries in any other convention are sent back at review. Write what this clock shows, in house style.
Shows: 9:40
